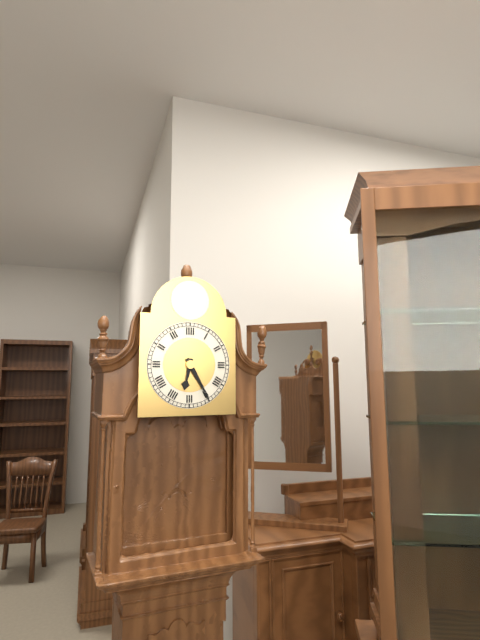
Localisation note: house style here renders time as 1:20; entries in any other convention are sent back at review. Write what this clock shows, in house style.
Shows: 6:25
